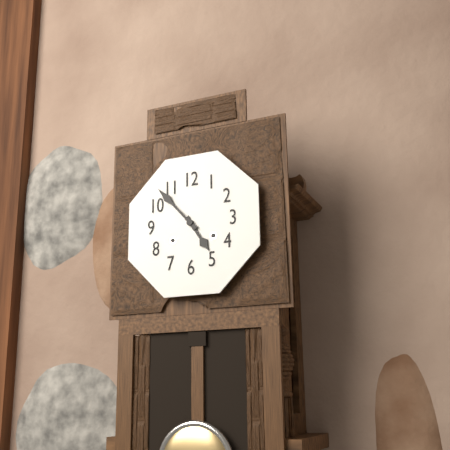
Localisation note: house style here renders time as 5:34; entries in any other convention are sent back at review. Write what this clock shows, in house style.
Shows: 4:53
